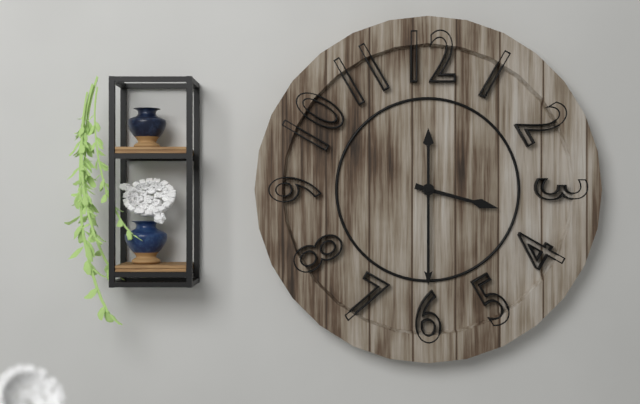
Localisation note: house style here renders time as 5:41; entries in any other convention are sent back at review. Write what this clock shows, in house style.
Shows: 3:30
